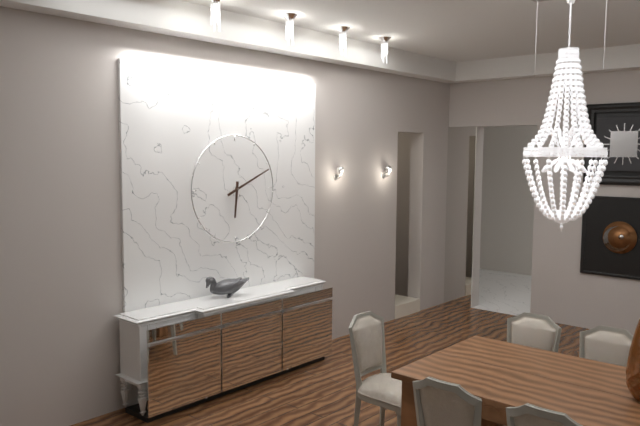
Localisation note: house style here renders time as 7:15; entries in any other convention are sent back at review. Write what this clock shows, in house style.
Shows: 6:11
